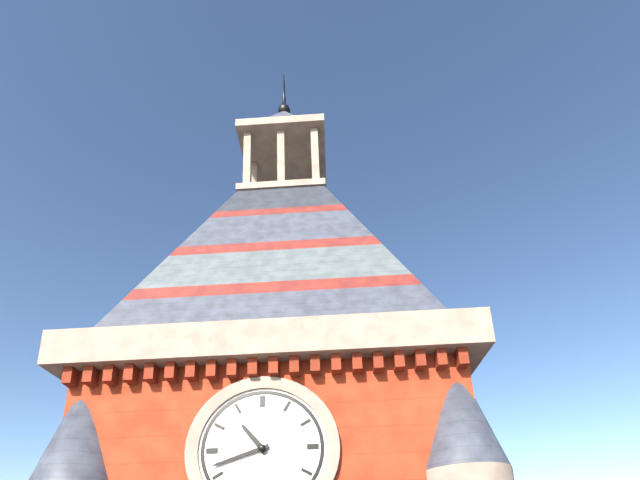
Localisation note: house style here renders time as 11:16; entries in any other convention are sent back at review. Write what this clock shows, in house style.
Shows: 10:42
